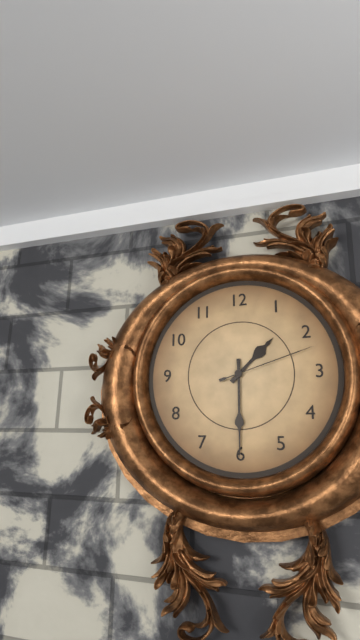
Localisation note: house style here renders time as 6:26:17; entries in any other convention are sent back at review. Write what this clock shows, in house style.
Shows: 1:30:12
